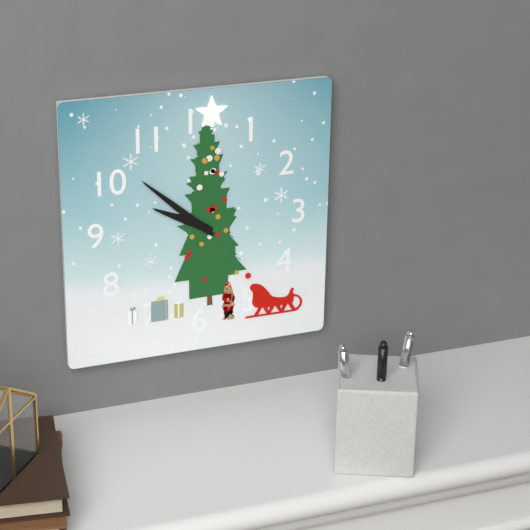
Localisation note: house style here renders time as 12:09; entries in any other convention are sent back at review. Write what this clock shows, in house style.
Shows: 9:52
